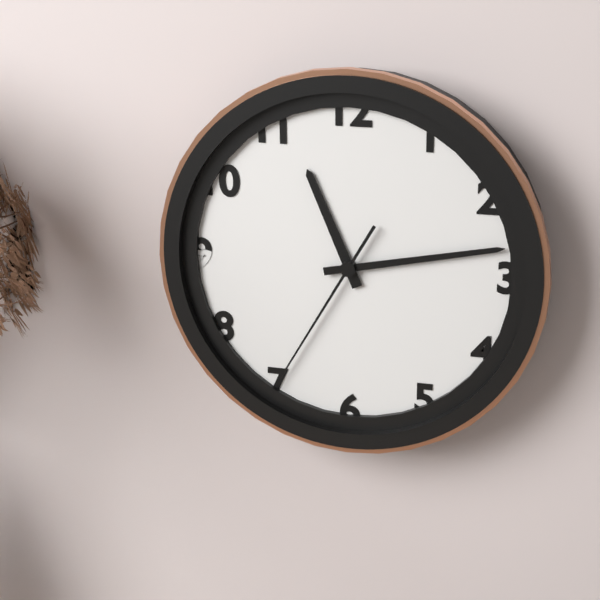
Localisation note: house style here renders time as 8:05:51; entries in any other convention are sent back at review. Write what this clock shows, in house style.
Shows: 11:13:35
